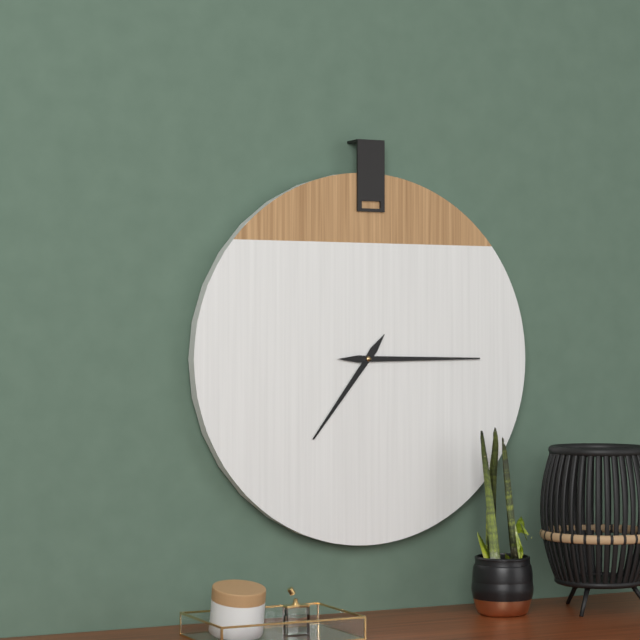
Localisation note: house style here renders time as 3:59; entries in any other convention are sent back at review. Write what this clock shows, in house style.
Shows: 7:15
